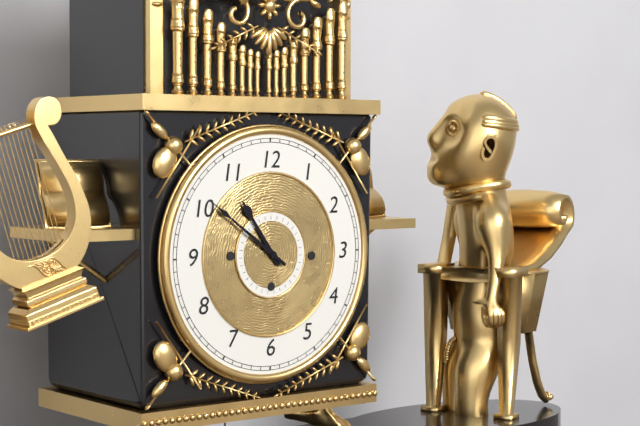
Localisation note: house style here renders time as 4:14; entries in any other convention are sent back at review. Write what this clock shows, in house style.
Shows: 10:51
